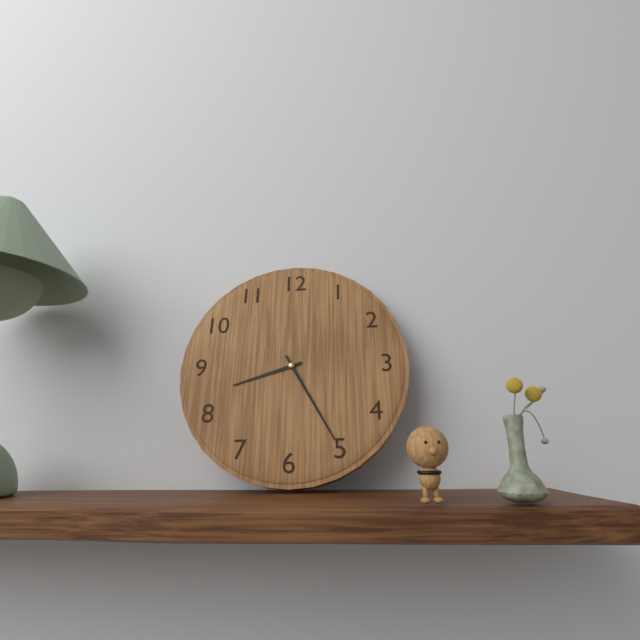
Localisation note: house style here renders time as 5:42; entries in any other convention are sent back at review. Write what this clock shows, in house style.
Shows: 8:25
